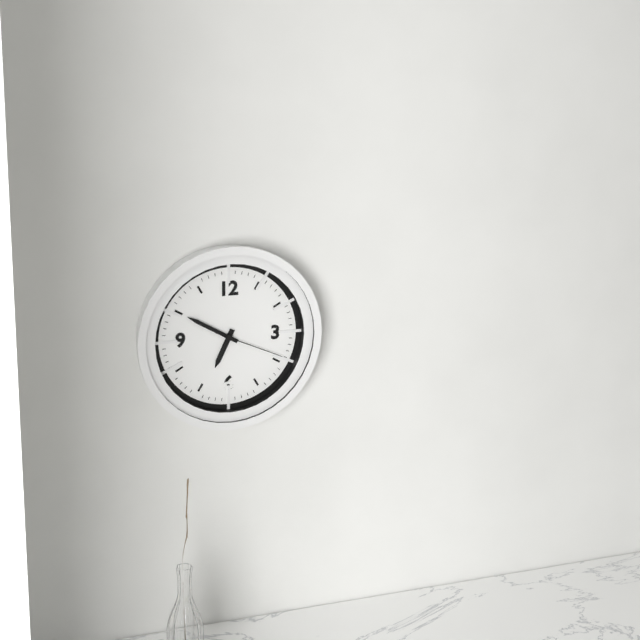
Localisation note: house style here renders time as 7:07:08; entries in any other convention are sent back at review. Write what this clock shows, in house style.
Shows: 6:50:19
